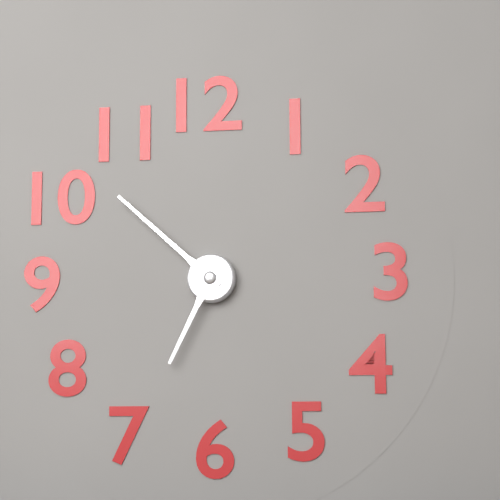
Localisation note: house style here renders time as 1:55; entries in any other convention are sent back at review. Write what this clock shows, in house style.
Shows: 6:52
